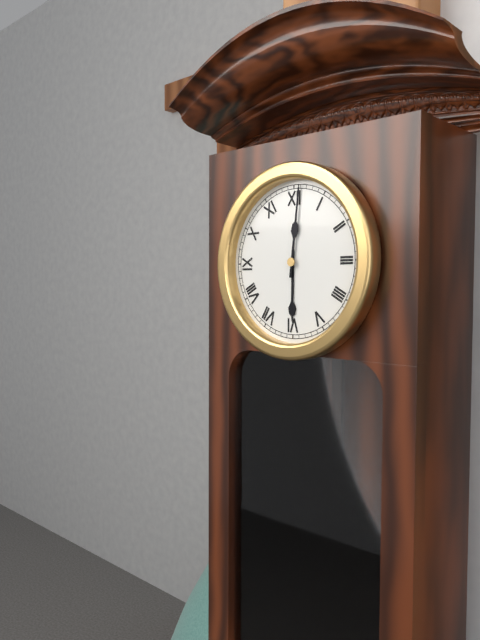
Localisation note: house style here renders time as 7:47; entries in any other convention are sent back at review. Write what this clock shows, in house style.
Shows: 6:01
